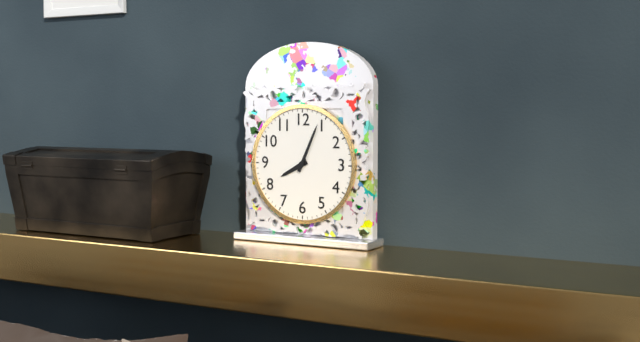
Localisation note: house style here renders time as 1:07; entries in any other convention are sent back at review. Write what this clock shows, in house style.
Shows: 8:04
